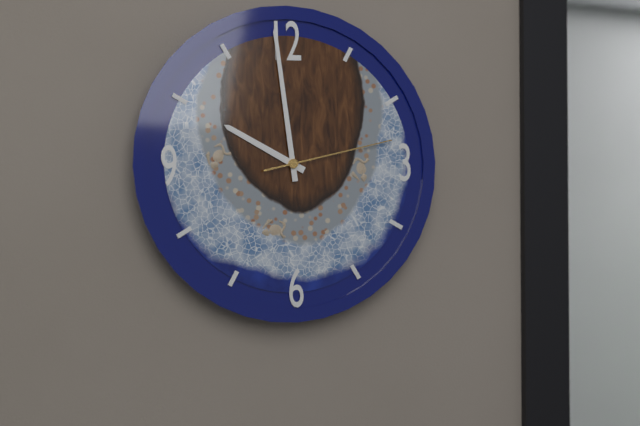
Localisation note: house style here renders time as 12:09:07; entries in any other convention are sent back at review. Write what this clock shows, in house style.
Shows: 9:59:13
